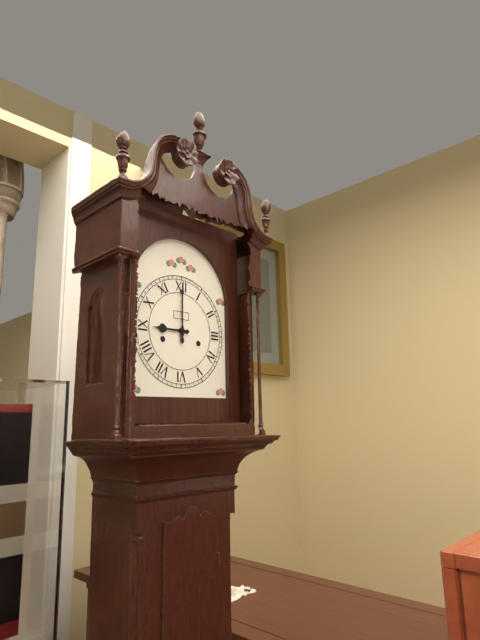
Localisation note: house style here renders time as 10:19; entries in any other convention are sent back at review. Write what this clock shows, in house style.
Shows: 9:00
